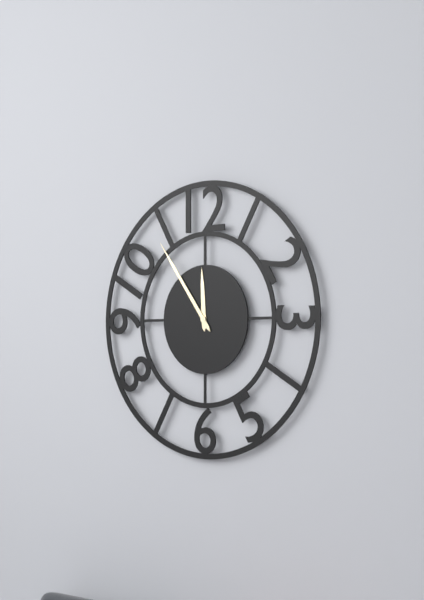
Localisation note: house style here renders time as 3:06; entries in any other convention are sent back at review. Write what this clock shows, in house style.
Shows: 11:54
